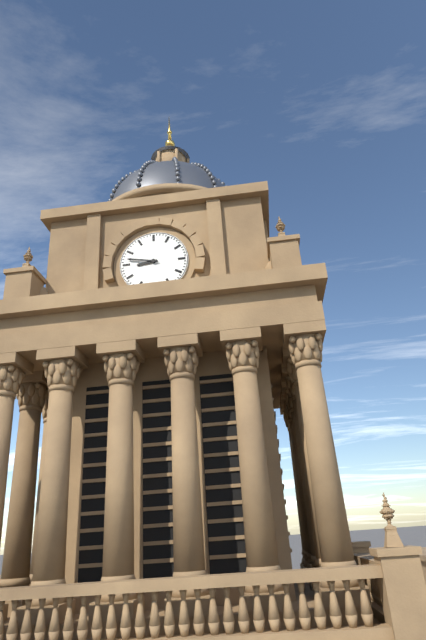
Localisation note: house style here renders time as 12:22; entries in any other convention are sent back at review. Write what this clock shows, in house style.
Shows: 8:47
